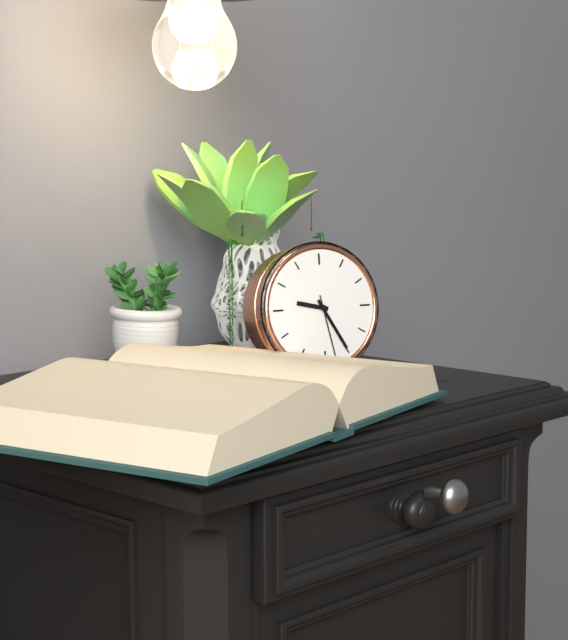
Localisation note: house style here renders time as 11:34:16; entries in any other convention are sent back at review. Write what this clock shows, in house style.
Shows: 9:25:28
